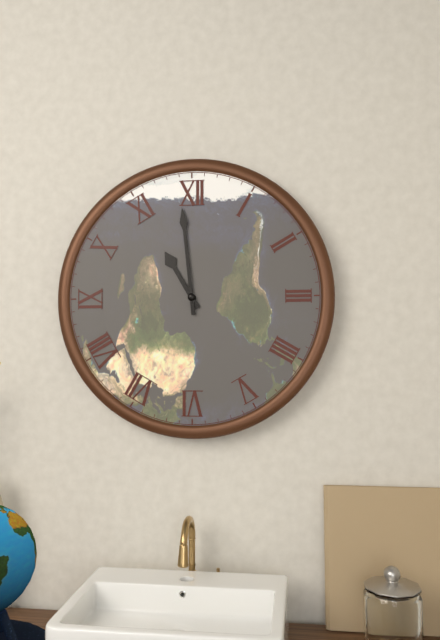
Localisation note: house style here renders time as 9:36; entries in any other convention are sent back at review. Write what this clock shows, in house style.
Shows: 10:59
